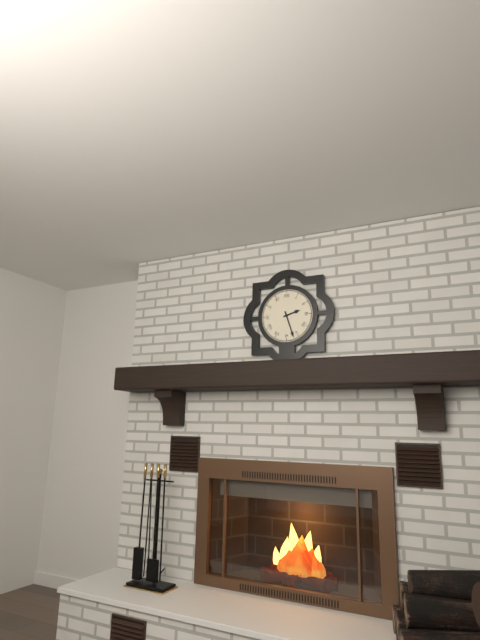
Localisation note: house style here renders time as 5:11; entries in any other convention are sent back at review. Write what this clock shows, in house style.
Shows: 2:27
